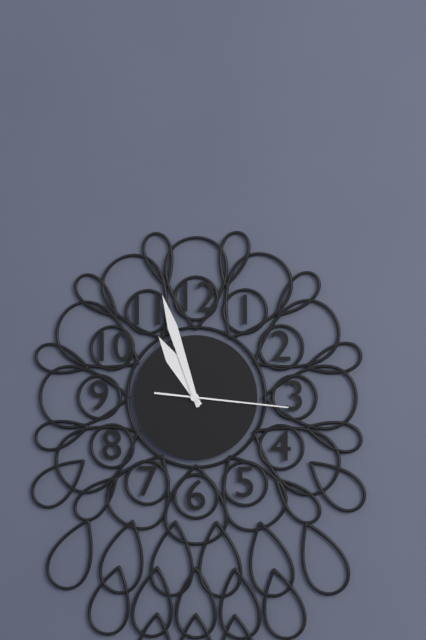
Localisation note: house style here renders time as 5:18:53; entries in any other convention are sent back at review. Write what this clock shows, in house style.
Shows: 10:57:16
